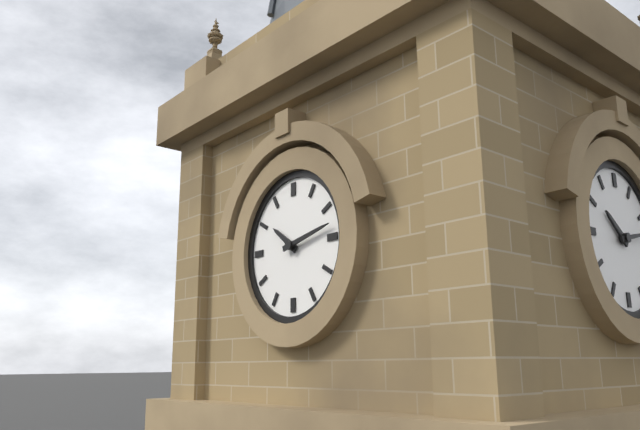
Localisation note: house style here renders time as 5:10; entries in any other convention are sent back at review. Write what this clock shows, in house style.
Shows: 10:13
